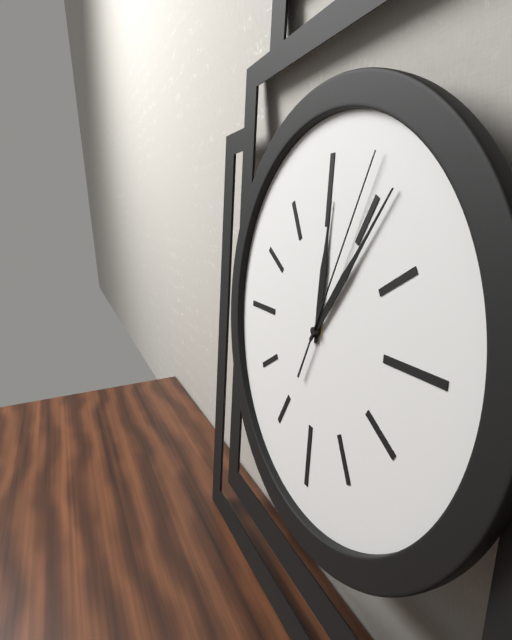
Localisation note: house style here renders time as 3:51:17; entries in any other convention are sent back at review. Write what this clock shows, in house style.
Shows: 12:06:04
